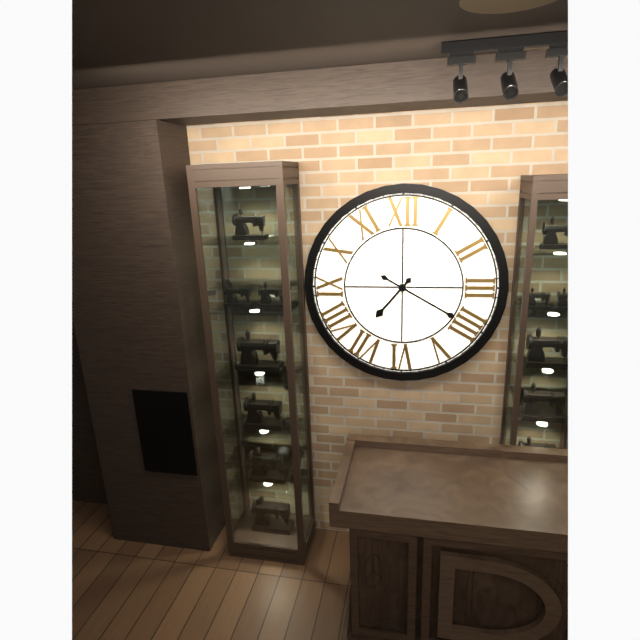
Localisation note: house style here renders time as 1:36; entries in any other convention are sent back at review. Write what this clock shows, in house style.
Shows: 7:20
